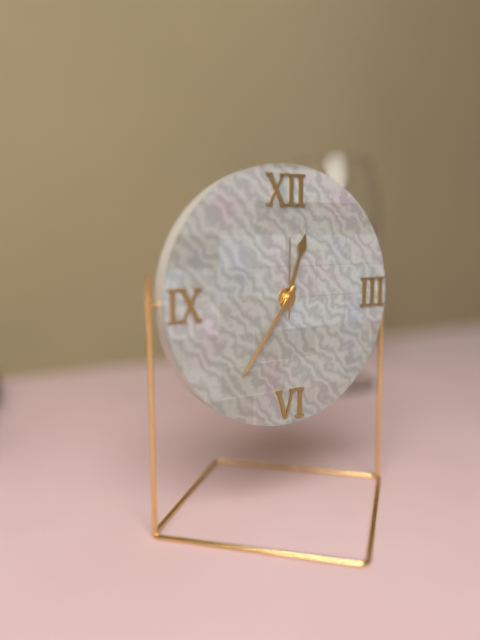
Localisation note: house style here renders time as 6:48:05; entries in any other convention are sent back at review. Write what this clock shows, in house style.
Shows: 12:36:00
